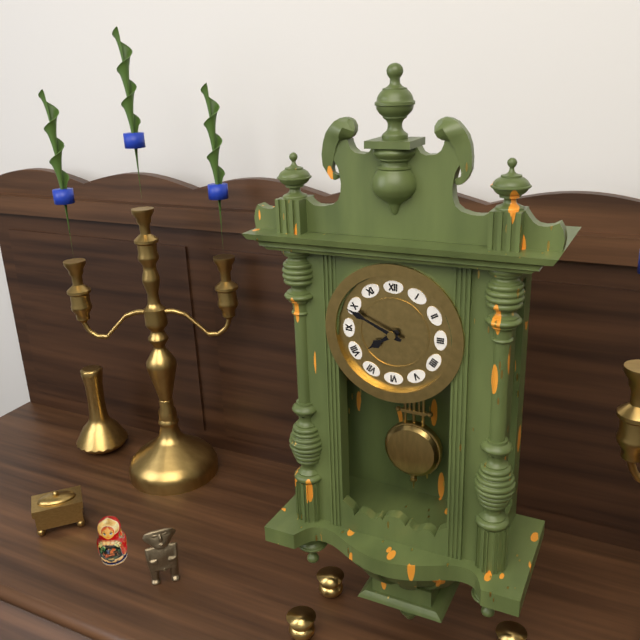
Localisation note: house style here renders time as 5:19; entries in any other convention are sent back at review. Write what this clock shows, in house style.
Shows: 7:49
